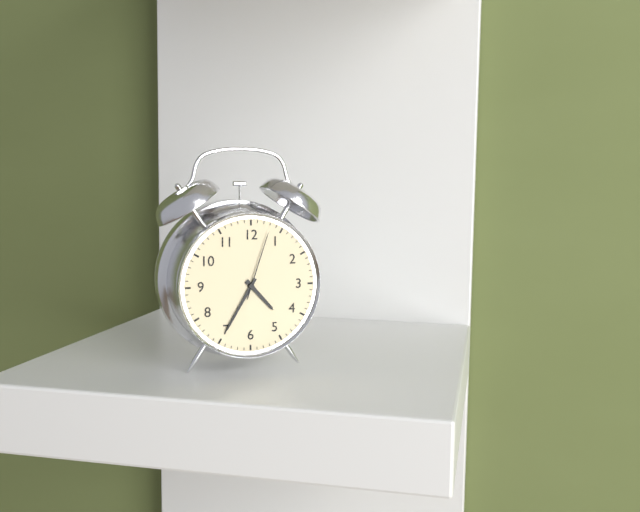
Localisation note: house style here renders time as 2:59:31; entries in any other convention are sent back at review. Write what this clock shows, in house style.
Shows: 4:35:03
